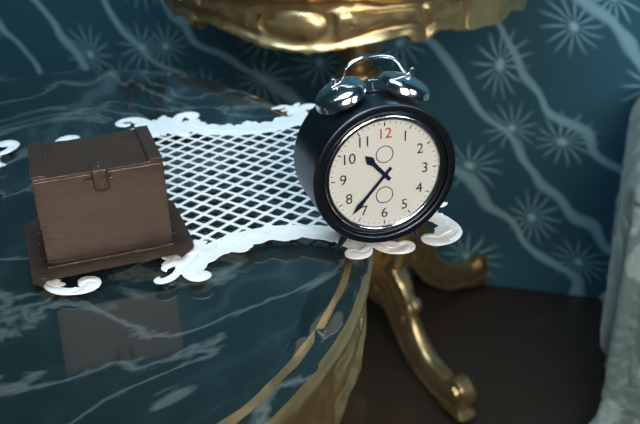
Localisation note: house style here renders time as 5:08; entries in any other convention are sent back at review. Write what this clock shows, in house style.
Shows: 10:37
